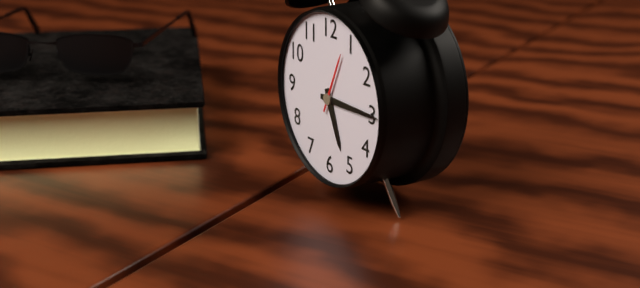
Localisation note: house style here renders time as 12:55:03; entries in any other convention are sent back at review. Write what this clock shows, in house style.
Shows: 5:15:04
